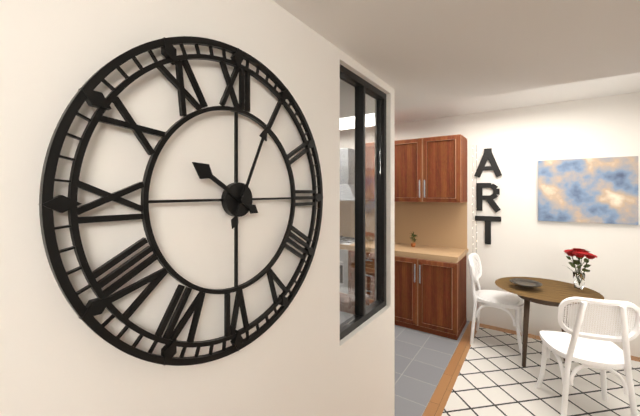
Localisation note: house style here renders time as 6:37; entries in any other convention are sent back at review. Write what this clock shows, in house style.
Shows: 10:04
